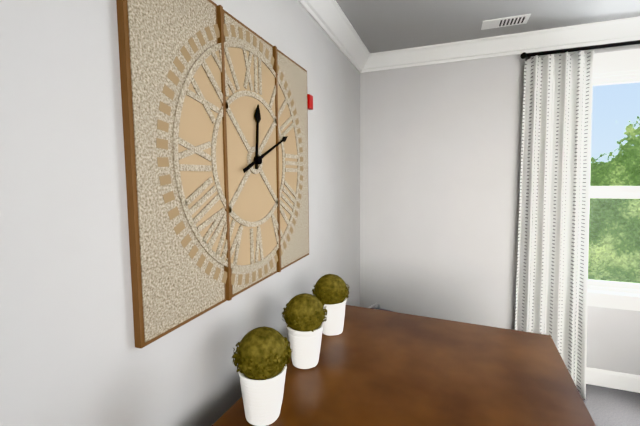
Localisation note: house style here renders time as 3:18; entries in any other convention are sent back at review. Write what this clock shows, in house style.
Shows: 12:11
